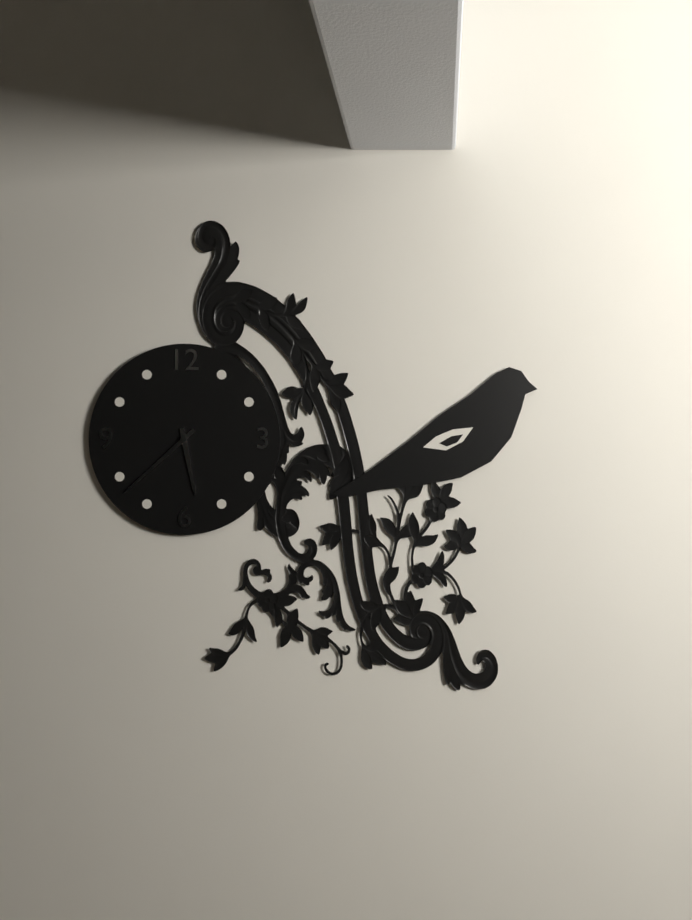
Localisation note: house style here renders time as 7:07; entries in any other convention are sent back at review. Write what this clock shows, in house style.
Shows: 5:38
